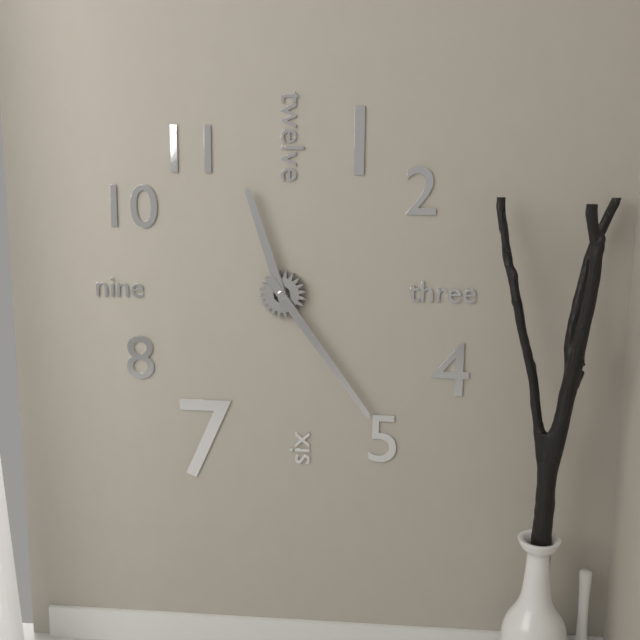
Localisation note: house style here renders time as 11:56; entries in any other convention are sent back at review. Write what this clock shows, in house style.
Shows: 11:24
